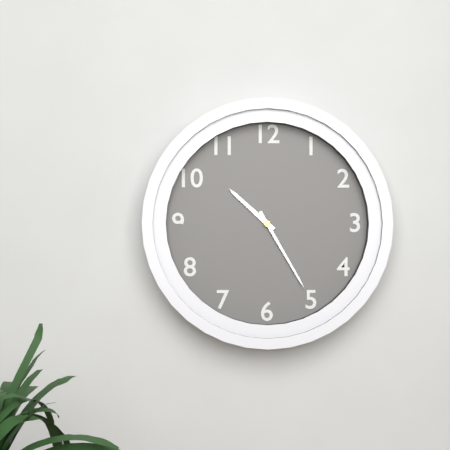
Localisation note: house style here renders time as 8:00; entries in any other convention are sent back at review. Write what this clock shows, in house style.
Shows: 10:25
